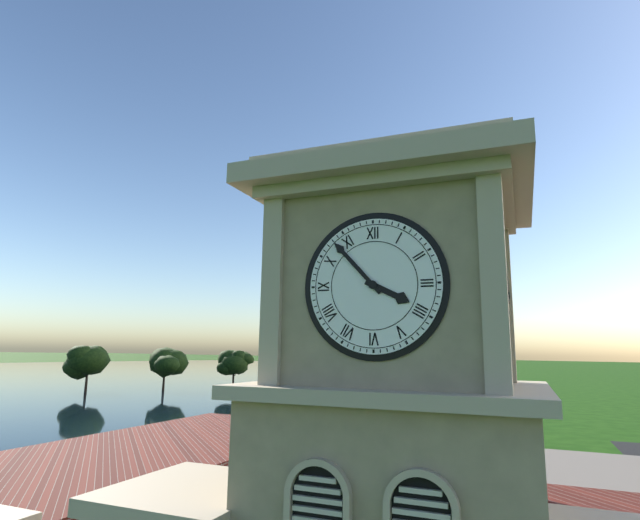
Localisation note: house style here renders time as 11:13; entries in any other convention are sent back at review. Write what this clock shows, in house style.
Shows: 3:53
